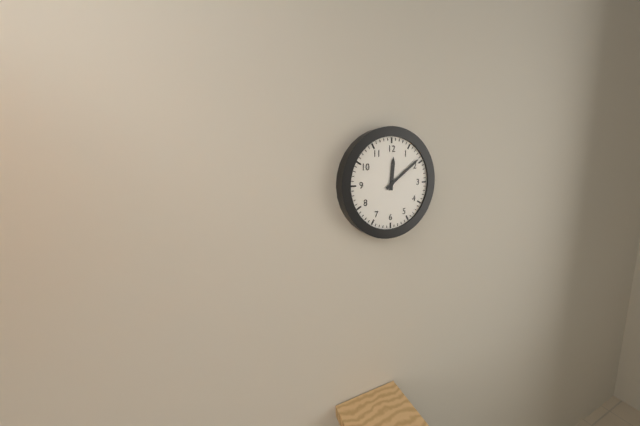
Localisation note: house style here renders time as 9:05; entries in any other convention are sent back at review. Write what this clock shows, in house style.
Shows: 12:09
